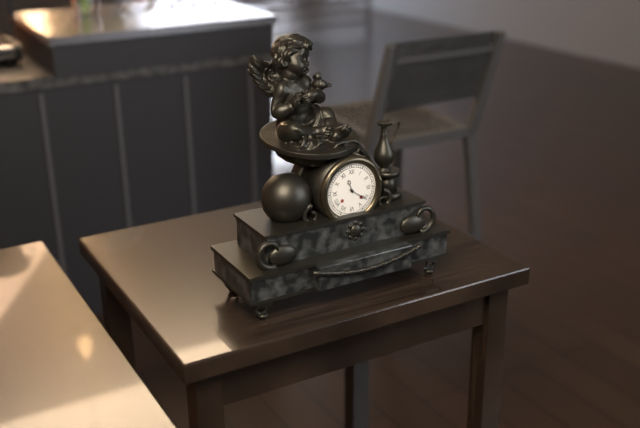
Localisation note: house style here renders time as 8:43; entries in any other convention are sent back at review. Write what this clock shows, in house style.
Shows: 11:21
